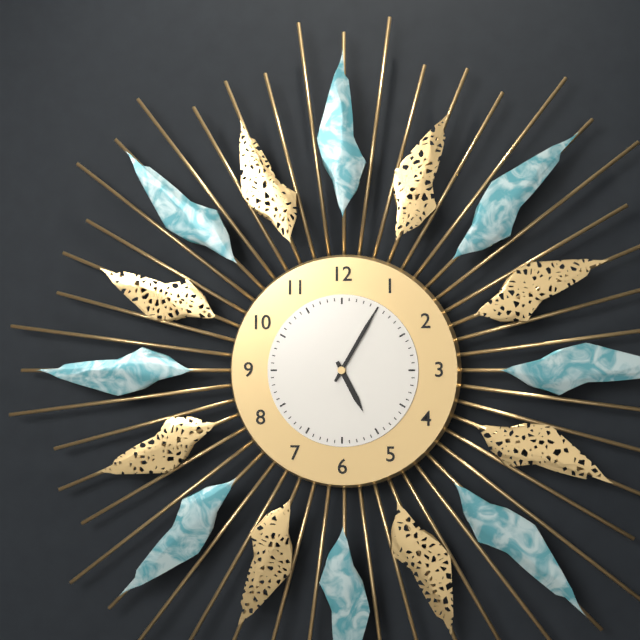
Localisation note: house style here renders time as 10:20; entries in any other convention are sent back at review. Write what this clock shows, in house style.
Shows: 5:05
